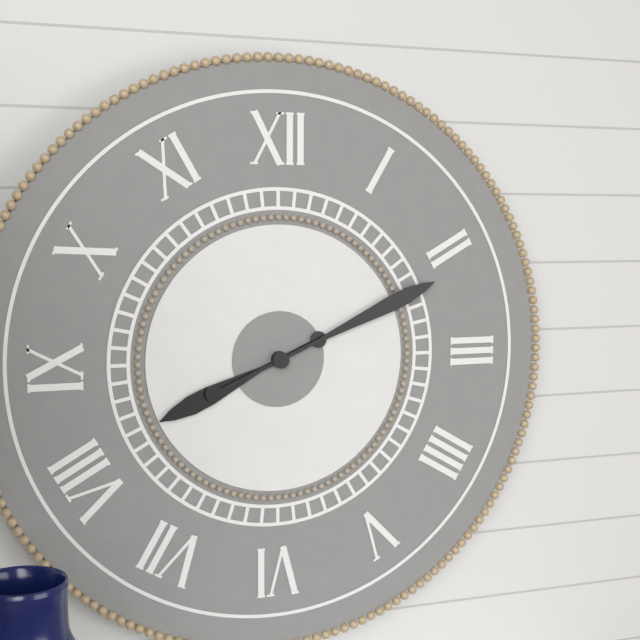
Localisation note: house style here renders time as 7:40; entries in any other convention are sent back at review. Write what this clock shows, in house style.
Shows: 8:11
